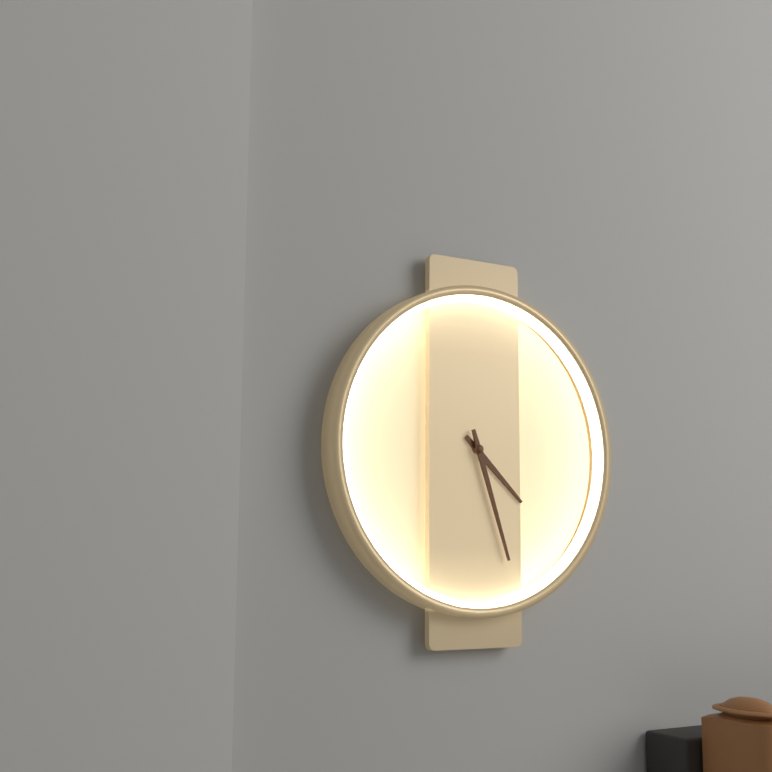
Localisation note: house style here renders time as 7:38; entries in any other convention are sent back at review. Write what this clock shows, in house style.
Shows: 4:27
